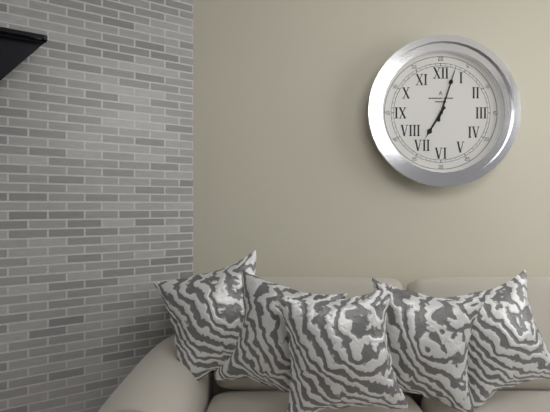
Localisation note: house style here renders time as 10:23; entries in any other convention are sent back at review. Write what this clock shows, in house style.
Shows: 7:03
